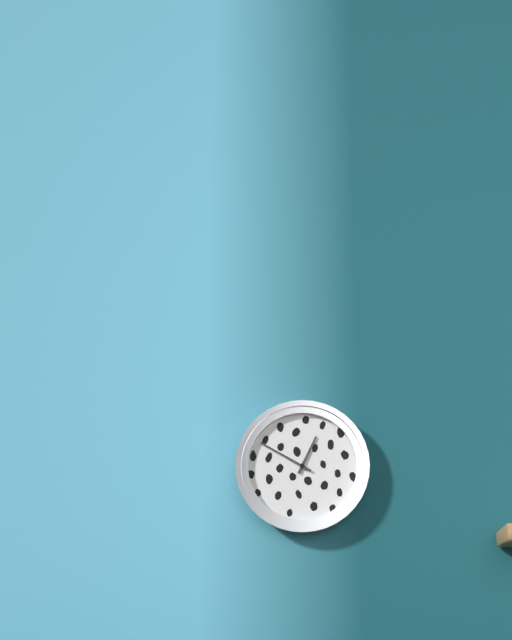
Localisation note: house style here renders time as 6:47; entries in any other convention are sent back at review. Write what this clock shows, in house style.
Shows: 12:50
